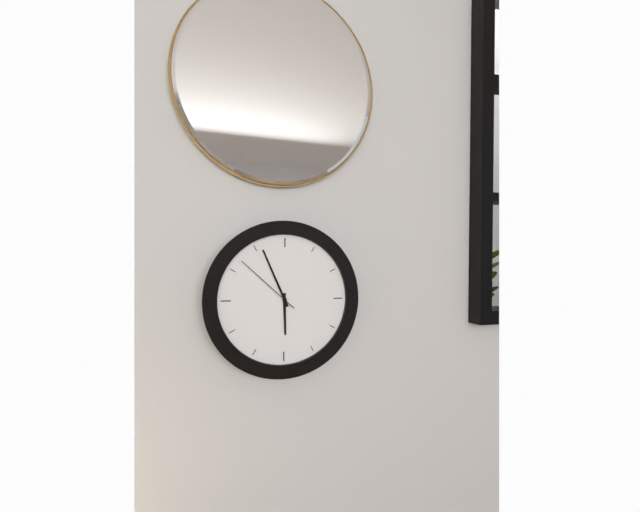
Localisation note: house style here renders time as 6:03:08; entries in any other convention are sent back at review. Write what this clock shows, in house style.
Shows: 5:56:52
